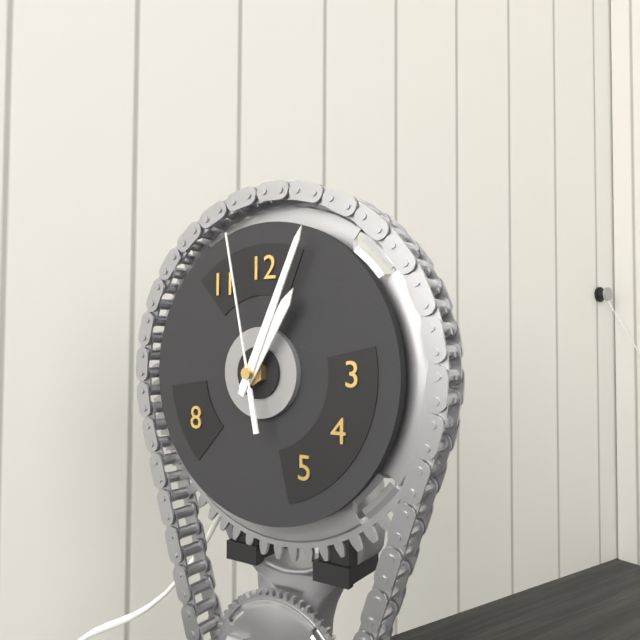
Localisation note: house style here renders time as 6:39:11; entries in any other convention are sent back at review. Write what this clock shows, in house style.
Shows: 1:04:58
